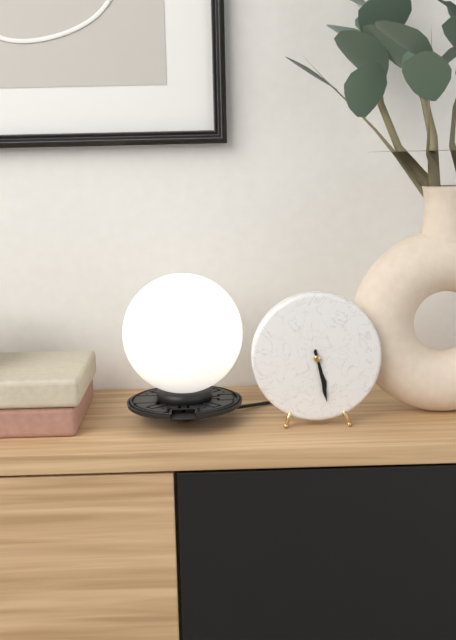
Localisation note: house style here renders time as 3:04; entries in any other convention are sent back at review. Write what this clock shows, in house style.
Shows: 5:28
